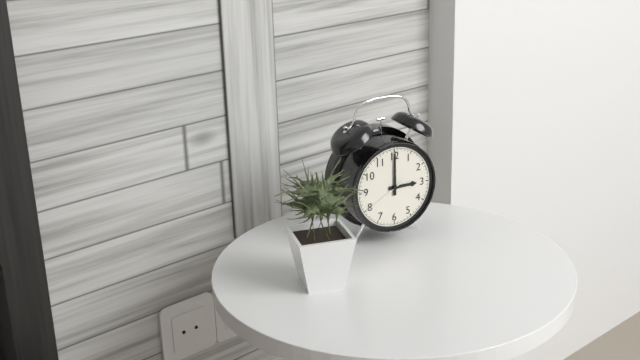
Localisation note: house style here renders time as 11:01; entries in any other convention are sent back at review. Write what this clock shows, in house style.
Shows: 3:00
